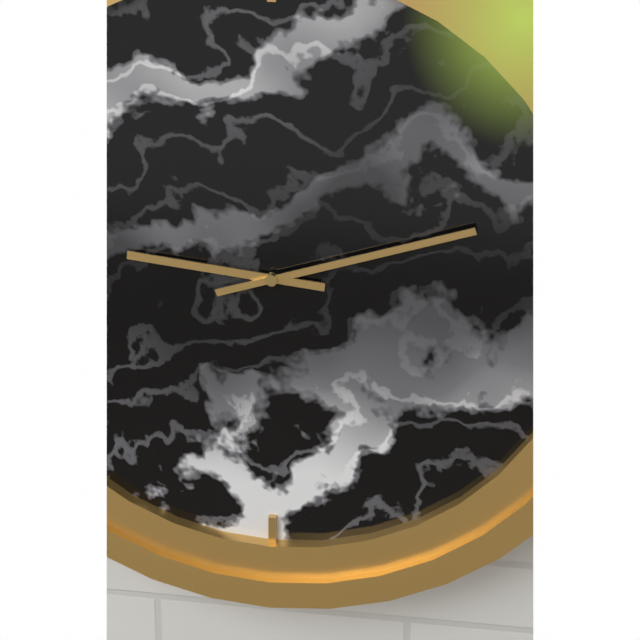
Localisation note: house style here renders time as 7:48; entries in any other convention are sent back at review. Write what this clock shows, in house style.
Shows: 9:12
